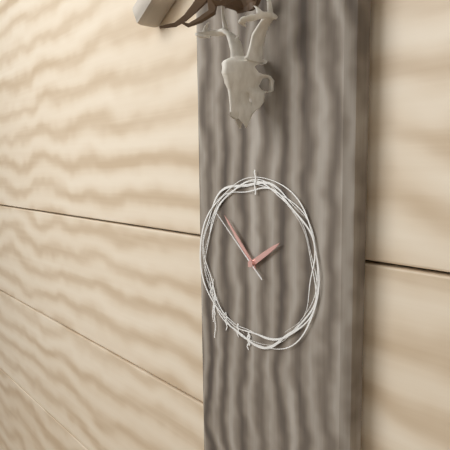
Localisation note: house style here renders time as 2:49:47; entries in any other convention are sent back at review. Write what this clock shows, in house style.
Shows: 1:53:52
